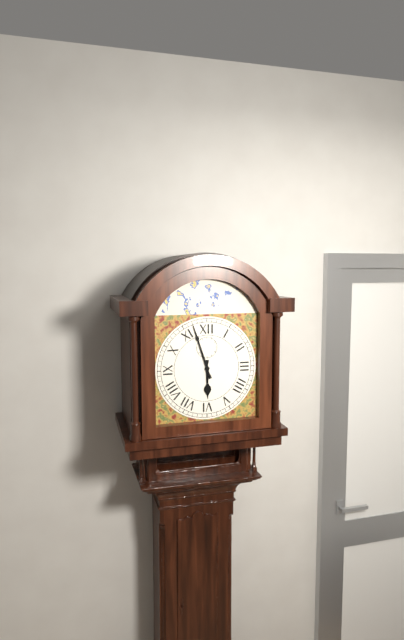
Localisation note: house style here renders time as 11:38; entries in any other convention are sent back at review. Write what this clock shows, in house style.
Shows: 5:57
